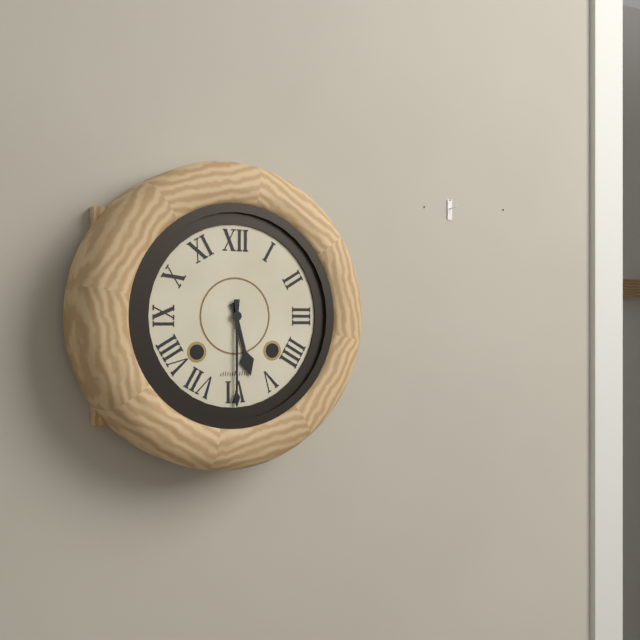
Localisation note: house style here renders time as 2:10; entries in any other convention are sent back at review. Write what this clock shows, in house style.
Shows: 5:30
